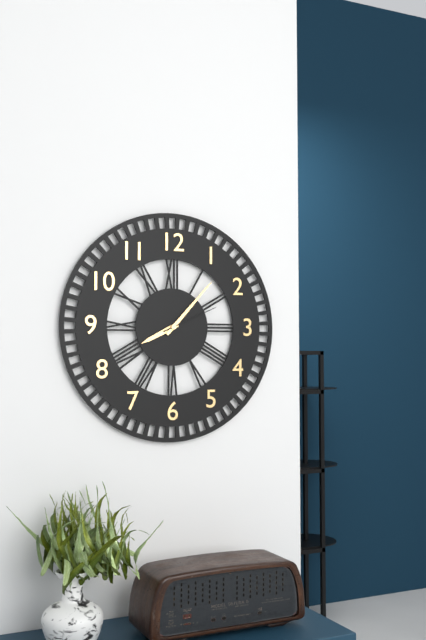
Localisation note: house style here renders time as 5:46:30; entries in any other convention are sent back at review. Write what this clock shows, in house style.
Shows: 8:07:11
